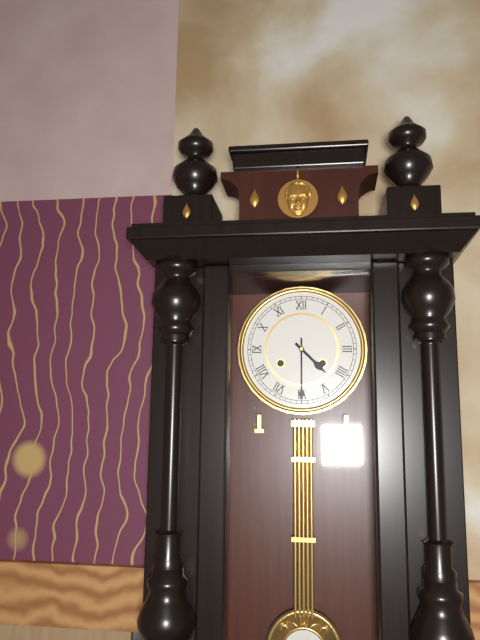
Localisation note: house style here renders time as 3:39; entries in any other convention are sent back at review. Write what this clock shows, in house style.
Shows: 4:30
